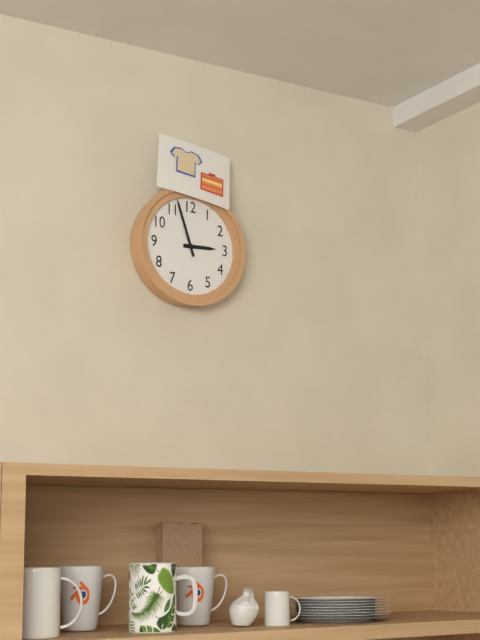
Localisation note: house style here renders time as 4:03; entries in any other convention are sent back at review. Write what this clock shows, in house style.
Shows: 2:57
